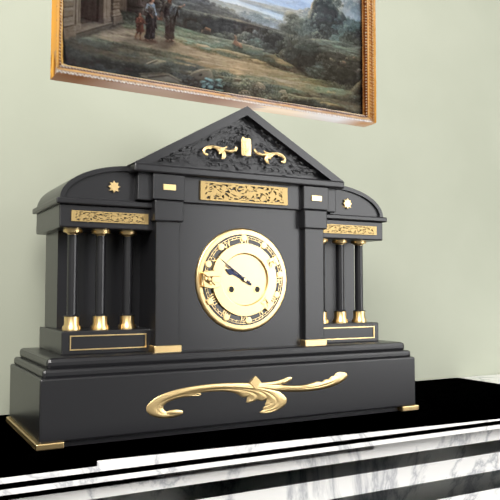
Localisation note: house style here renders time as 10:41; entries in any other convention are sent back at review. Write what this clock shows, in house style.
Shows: 9:51
